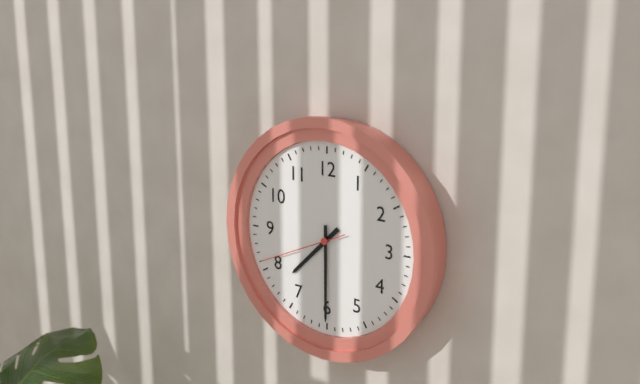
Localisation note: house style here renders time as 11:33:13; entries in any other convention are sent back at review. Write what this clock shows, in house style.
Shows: 7:30:41
